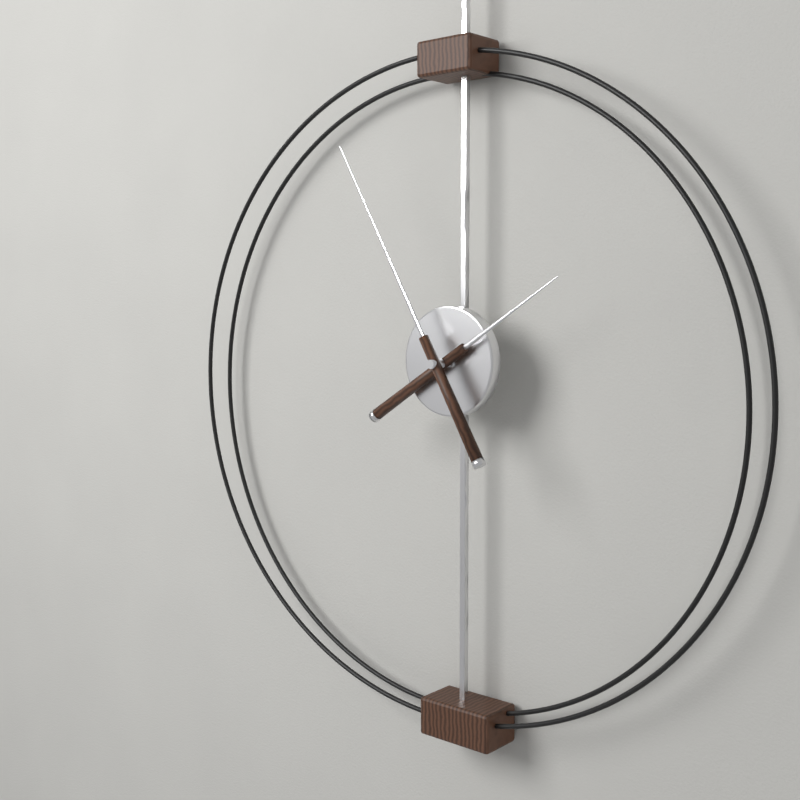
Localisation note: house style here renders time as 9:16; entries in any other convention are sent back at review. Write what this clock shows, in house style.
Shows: 1:55
